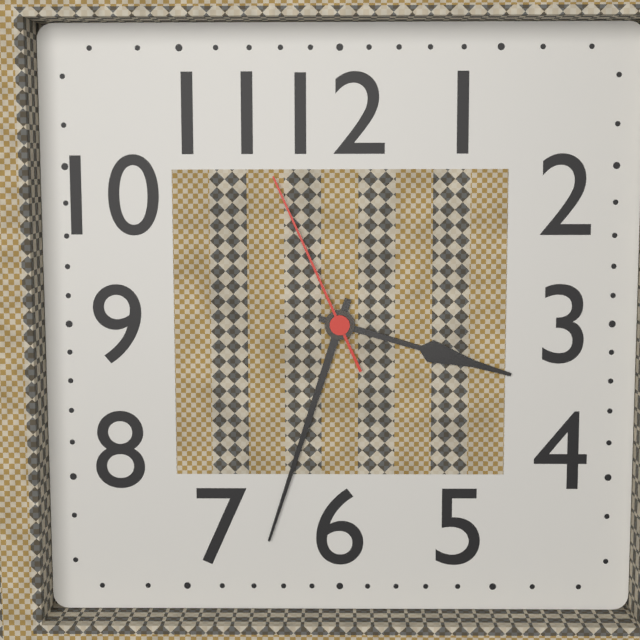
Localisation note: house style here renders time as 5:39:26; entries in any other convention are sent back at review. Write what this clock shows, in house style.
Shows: 3:33:56
